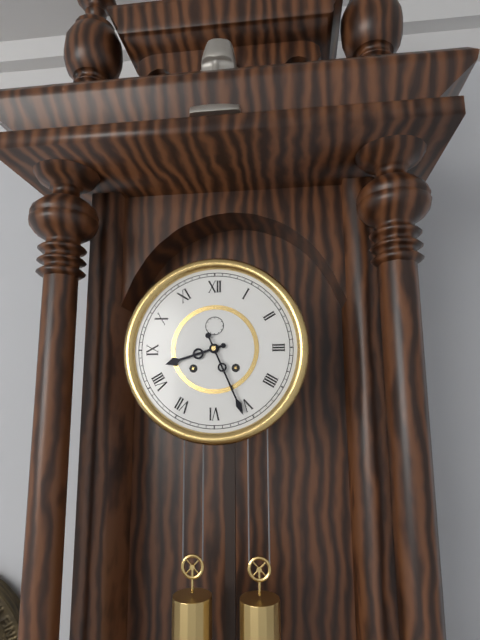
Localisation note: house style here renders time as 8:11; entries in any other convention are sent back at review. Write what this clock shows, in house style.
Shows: 8:26
